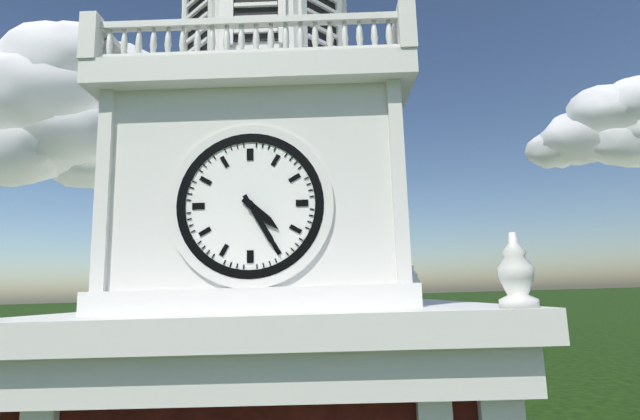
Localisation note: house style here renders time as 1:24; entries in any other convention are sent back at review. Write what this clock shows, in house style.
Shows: 4:25
